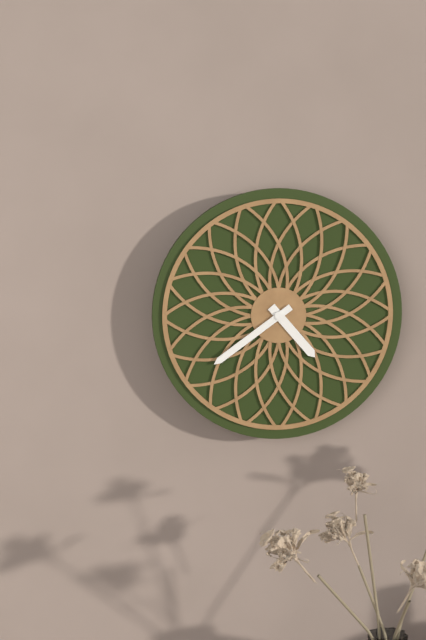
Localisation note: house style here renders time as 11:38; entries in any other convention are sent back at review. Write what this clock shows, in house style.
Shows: 4:39
